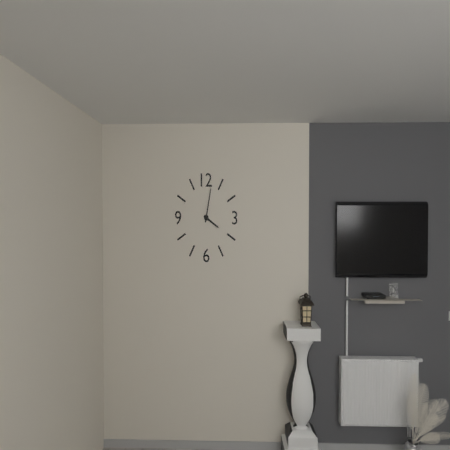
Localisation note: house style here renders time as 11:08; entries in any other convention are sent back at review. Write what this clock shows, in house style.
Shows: 4:02
